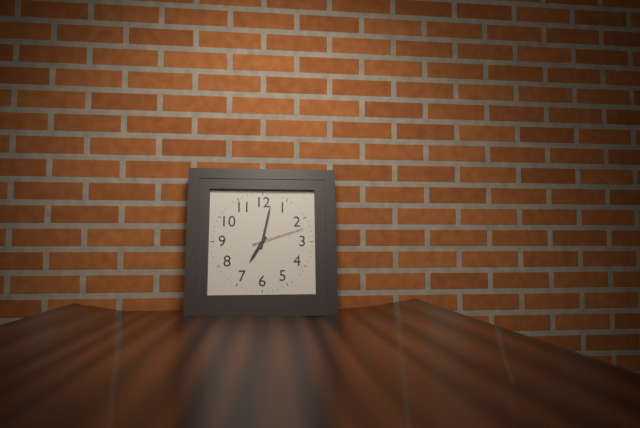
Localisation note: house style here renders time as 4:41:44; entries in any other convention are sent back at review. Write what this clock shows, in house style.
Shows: 7:02:12
